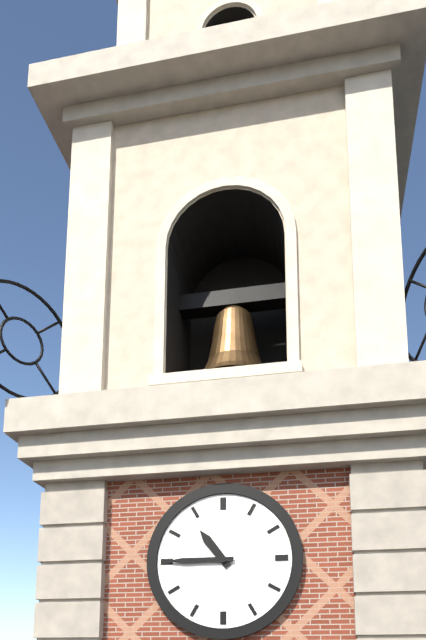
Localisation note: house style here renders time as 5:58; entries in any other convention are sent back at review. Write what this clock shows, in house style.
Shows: 10:45
